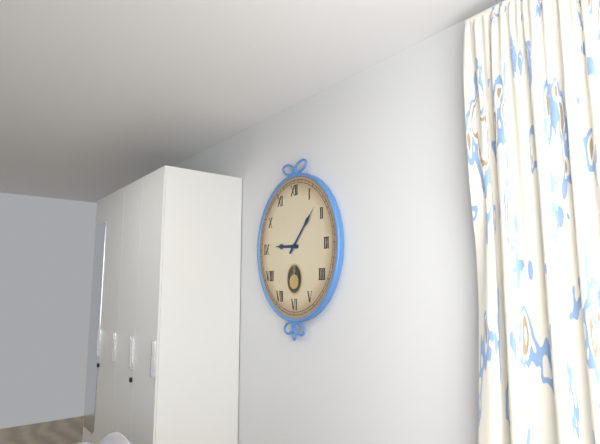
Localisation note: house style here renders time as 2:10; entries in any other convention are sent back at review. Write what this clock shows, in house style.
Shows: 9:07
